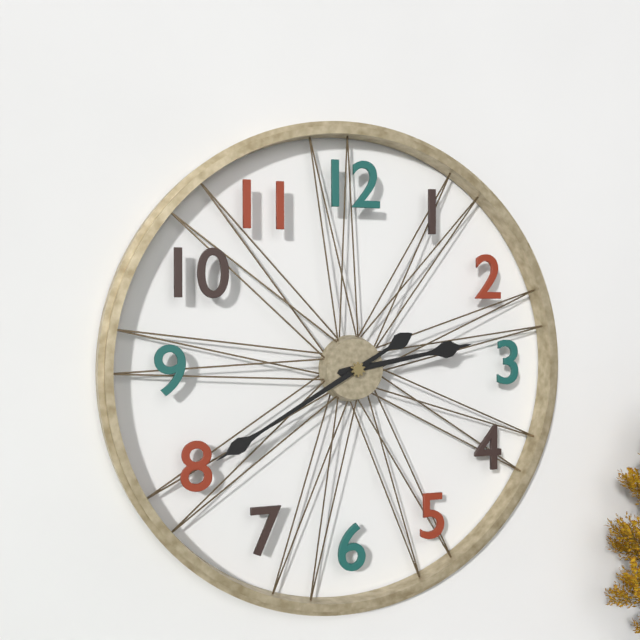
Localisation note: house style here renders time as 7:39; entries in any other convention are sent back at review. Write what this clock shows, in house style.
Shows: 2:40
